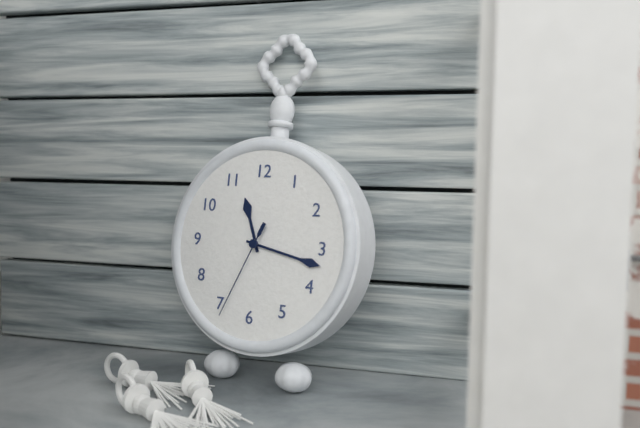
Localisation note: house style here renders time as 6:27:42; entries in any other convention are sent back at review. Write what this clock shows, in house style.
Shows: 11:17:34
